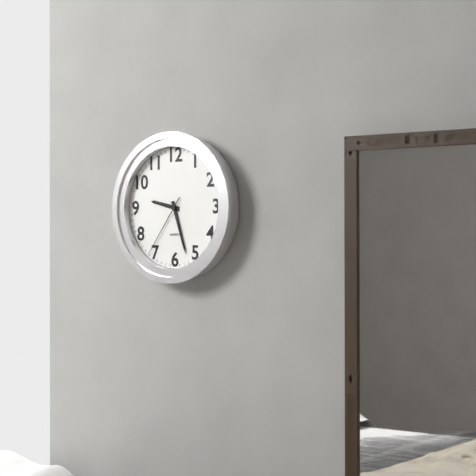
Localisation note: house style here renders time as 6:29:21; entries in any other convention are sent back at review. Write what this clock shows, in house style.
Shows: 9:27:36
